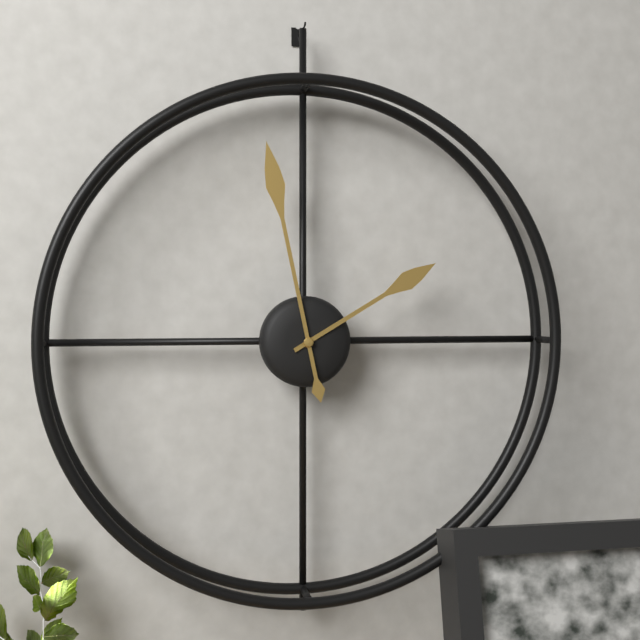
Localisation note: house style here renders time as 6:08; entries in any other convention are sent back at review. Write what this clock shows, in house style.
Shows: 1:58
